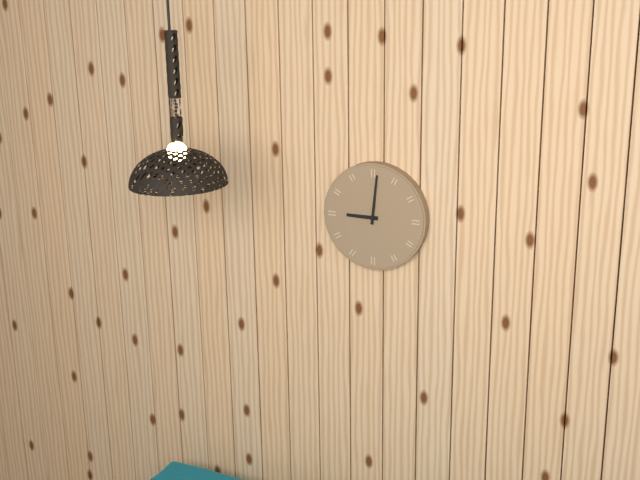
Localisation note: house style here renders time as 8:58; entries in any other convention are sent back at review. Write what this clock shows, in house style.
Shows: 9:01
